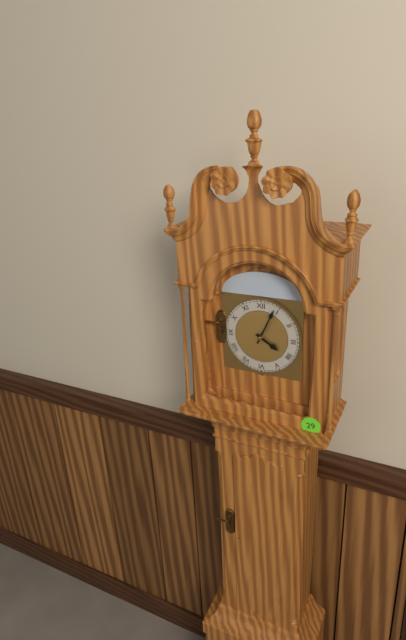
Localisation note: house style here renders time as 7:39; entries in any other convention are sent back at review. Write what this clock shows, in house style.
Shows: 4:04
